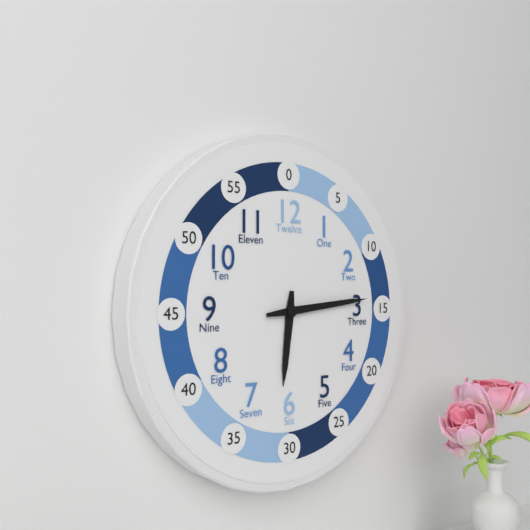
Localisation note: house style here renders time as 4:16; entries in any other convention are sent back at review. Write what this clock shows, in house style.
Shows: 6:14
